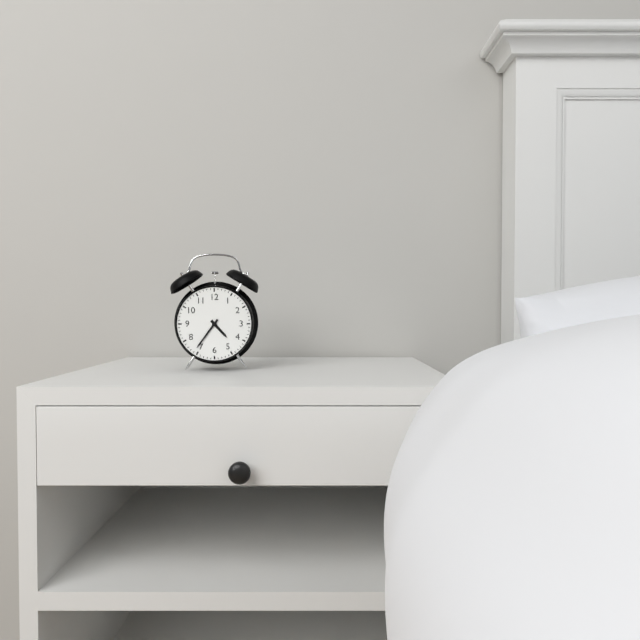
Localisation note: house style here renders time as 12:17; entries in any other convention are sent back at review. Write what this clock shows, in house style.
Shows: 4:36
